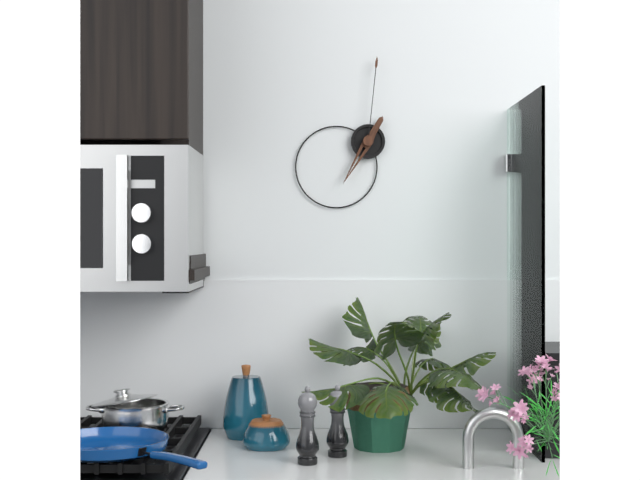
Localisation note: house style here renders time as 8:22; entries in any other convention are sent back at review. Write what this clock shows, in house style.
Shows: 7:01
